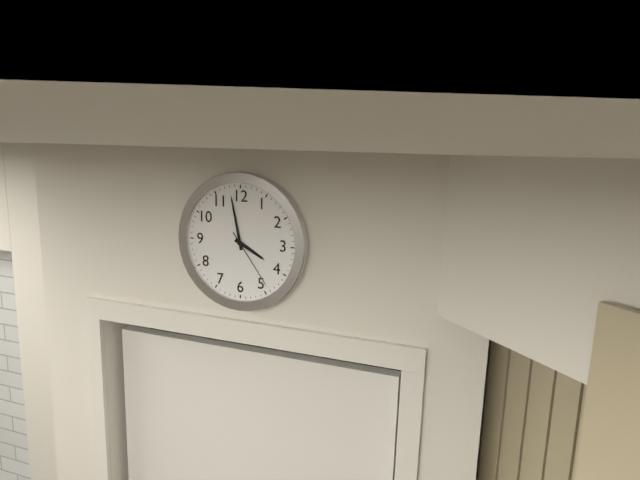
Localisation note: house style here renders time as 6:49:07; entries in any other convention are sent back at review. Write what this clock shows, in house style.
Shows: 3:58:24
